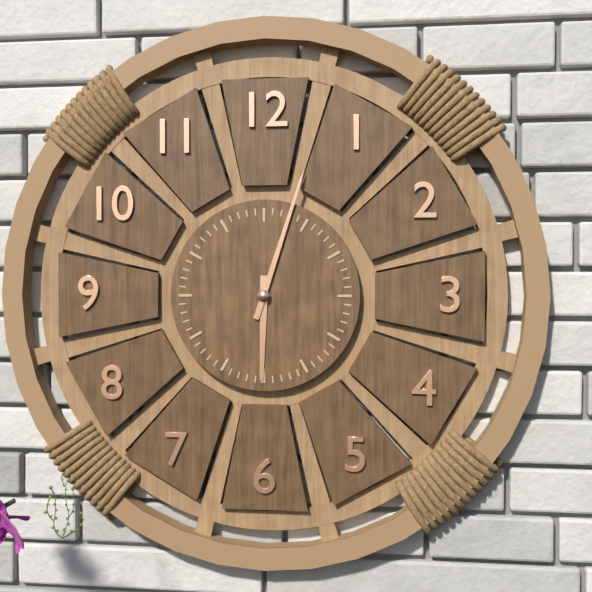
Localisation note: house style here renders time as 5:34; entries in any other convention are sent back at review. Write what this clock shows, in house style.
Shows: 6:03
